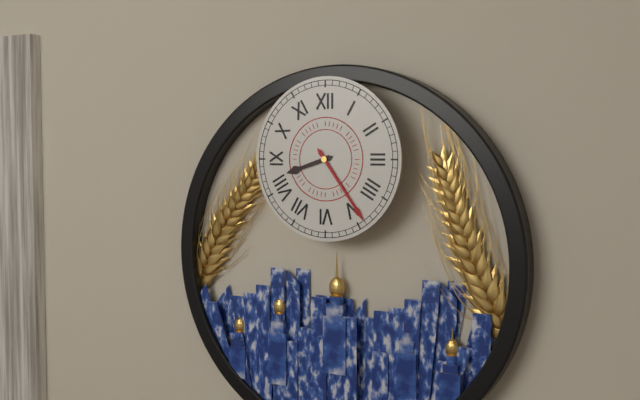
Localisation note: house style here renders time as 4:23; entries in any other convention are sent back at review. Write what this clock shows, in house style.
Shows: 8:24
